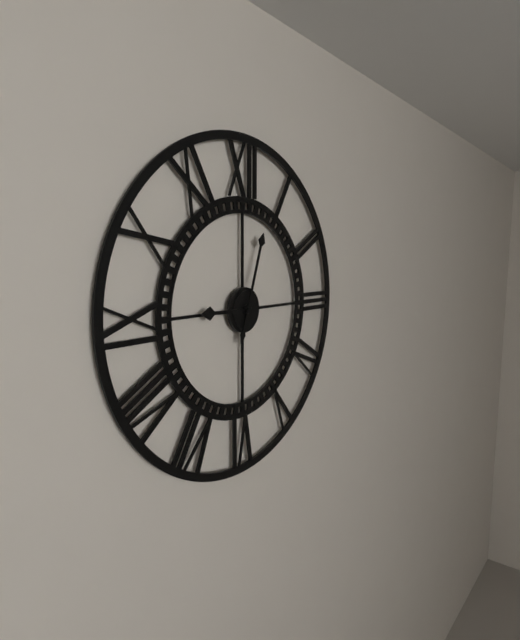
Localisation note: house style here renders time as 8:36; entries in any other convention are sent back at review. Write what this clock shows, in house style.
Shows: 9:03
